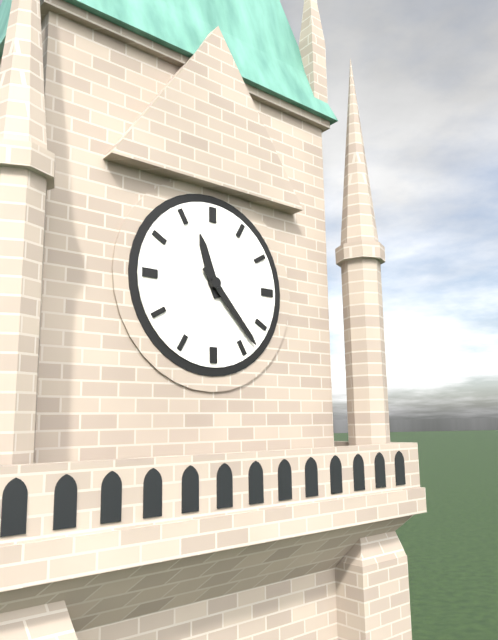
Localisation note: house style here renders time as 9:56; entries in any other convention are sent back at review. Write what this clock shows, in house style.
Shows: 11:23
